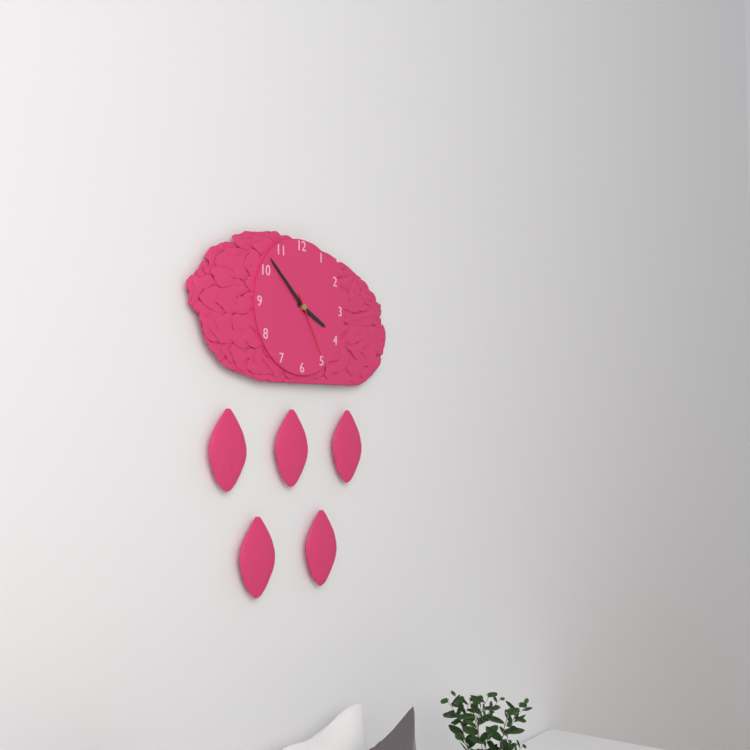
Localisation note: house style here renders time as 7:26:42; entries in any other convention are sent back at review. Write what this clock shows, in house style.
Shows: 3:52:25
